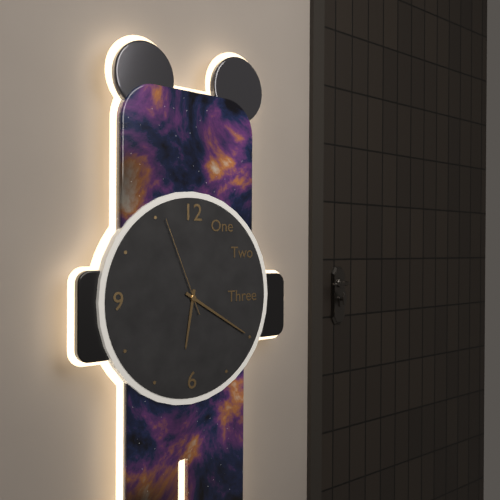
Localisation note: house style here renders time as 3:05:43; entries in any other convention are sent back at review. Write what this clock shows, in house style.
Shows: 6:20:56
